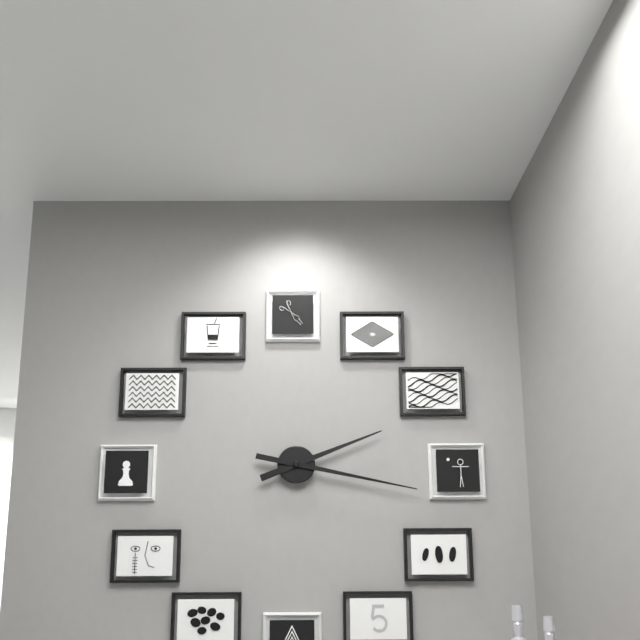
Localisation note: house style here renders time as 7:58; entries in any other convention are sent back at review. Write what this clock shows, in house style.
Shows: 2:17
